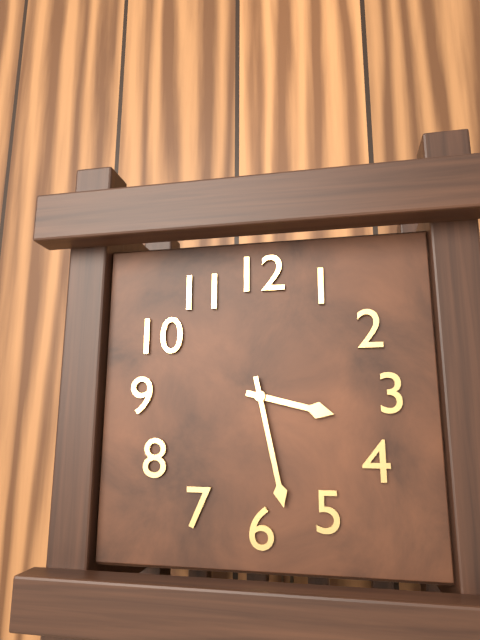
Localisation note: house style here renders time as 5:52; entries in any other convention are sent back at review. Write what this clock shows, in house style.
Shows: 3:28
